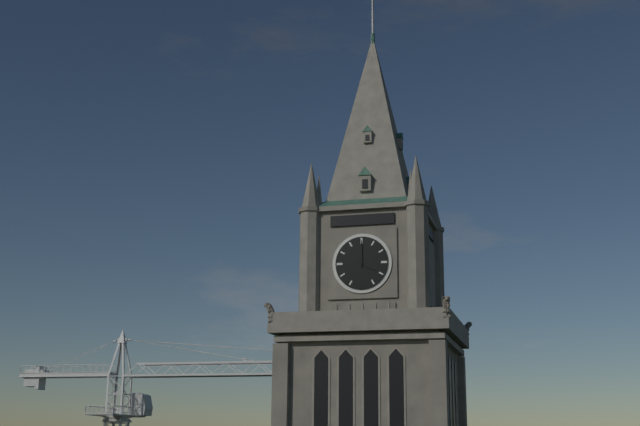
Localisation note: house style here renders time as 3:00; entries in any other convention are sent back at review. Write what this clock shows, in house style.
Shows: 4:00
